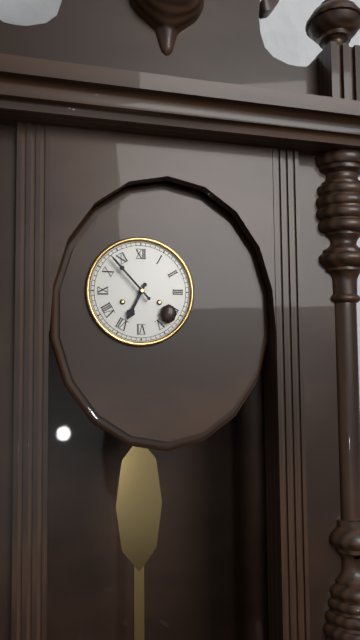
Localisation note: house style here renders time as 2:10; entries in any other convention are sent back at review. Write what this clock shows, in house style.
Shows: 6:53
